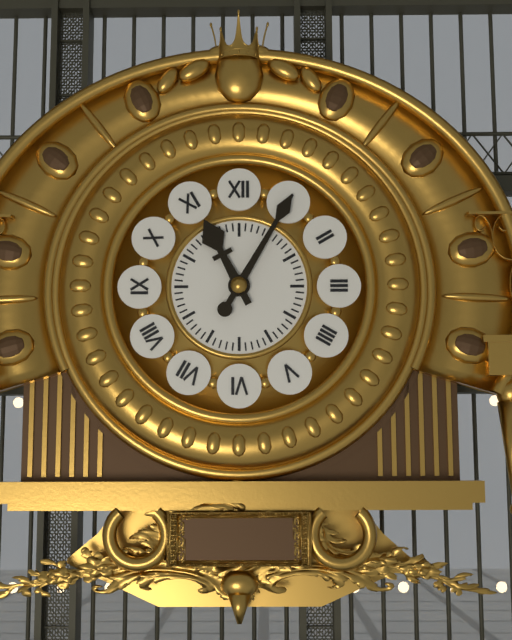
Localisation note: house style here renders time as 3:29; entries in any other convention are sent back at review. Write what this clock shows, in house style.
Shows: 11:05
